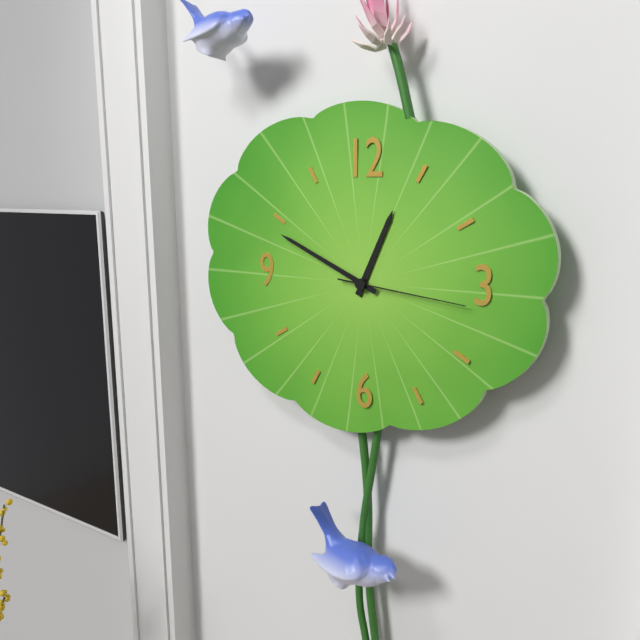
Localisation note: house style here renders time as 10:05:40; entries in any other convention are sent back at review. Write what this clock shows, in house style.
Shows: 12:49:16
